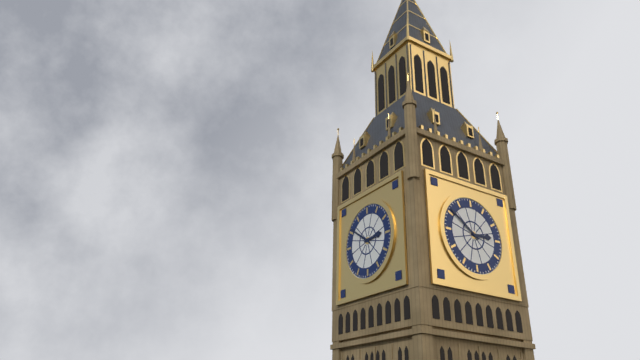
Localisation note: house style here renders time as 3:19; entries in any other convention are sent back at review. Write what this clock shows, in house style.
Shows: 2:51
